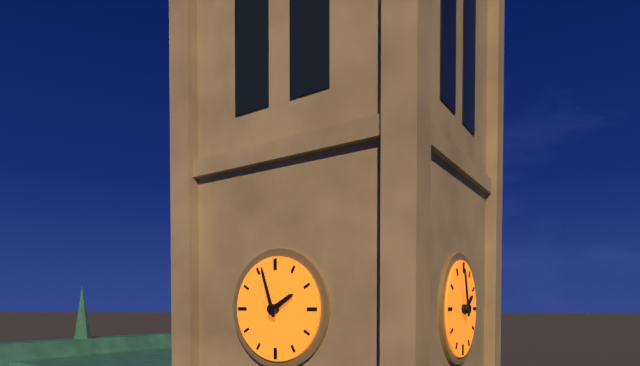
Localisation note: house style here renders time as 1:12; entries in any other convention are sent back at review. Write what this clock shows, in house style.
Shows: 1:57
